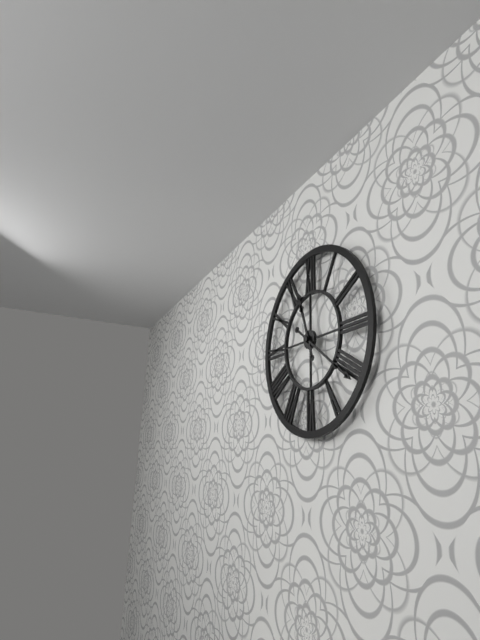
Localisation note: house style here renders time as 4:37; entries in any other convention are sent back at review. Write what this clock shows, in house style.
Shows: 11:21
